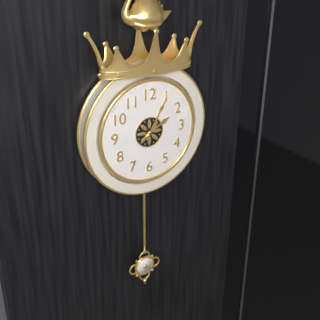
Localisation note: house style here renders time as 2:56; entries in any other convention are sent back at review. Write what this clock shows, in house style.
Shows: 2:05
